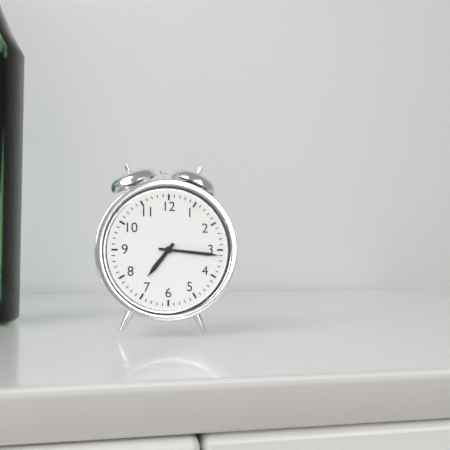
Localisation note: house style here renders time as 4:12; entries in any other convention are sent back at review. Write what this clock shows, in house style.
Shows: 7:16
